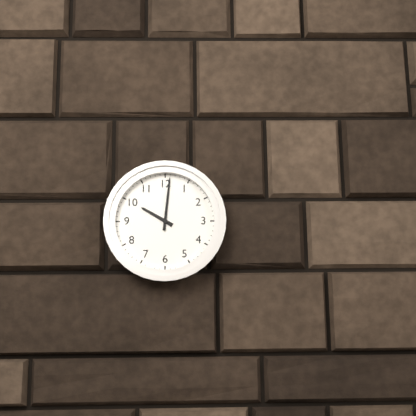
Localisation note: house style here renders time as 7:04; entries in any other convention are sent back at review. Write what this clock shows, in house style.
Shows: 10:01
